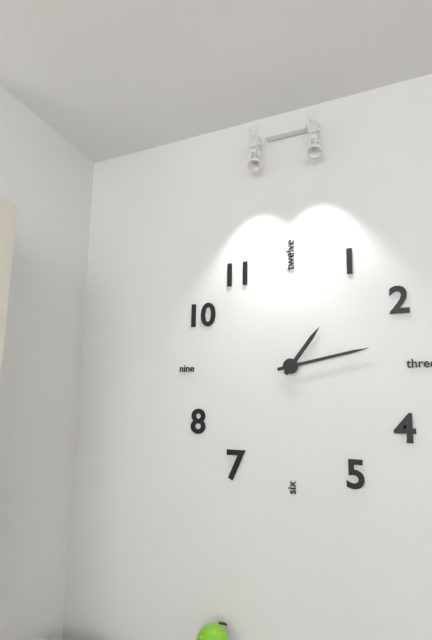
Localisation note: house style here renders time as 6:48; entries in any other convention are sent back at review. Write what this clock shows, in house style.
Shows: 1:13
